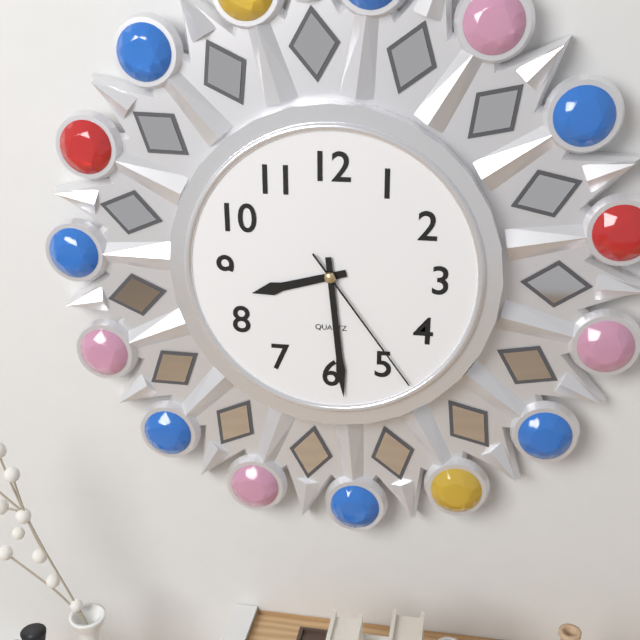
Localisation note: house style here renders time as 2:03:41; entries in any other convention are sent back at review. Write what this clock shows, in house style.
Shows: 8:29:24
